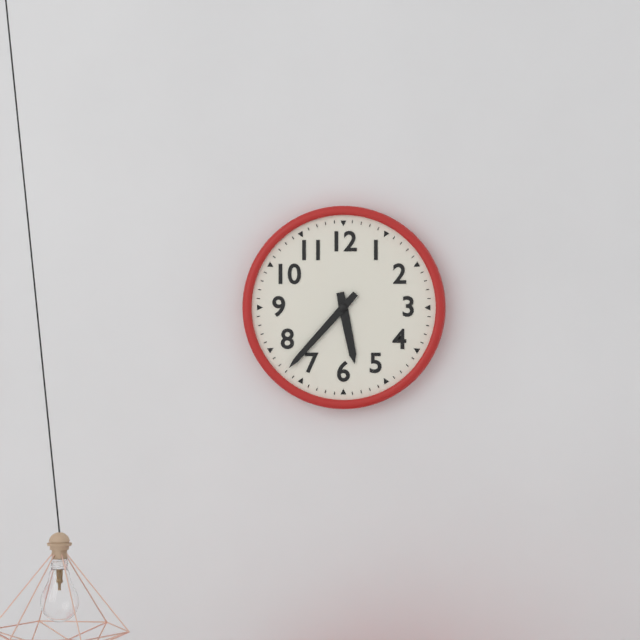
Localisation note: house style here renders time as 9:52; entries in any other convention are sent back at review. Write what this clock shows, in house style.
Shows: 5:37
